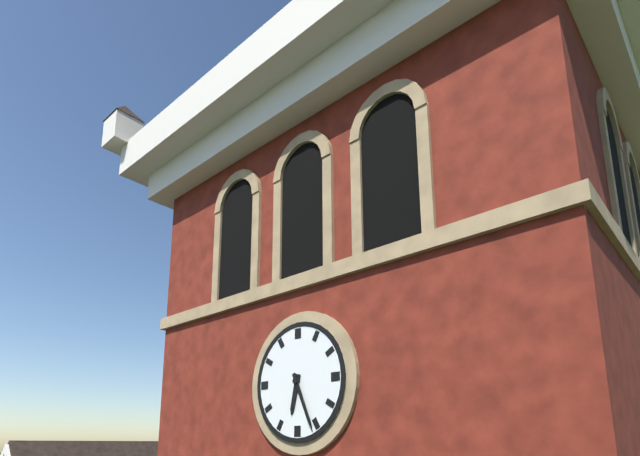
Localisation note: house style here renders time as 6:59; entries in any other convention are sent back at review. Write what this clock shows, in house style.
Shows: 6:26
